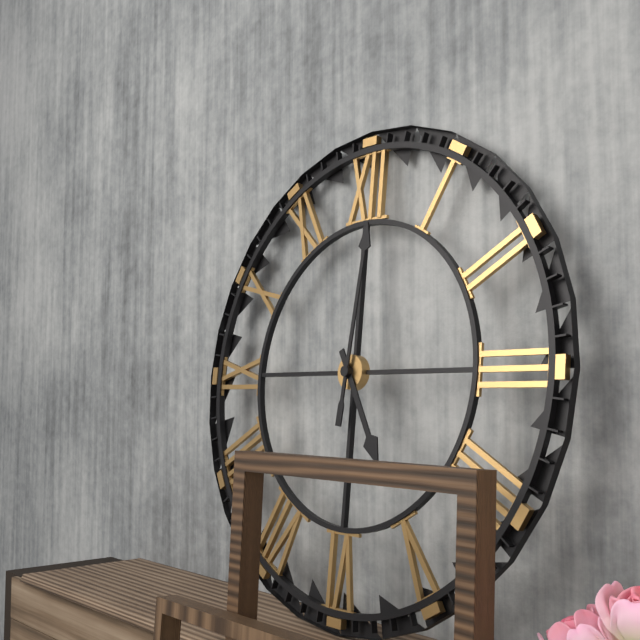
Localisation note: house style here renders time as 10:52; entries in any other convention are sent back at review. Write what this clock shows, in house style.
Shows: 5:01
